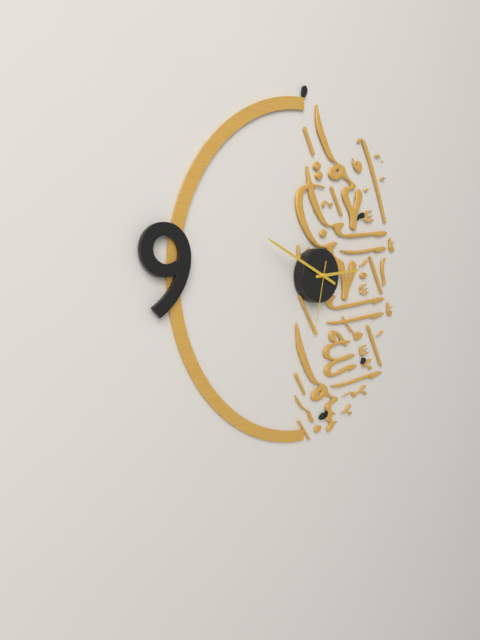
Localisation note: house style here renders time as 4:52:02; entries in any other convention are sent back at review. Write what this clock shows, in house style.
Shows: 2:49:32
